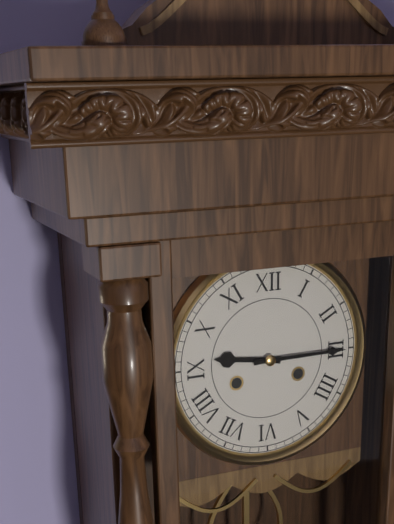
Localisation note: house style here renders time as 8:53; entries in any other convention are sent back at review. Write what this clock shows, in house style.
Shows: 9:15
